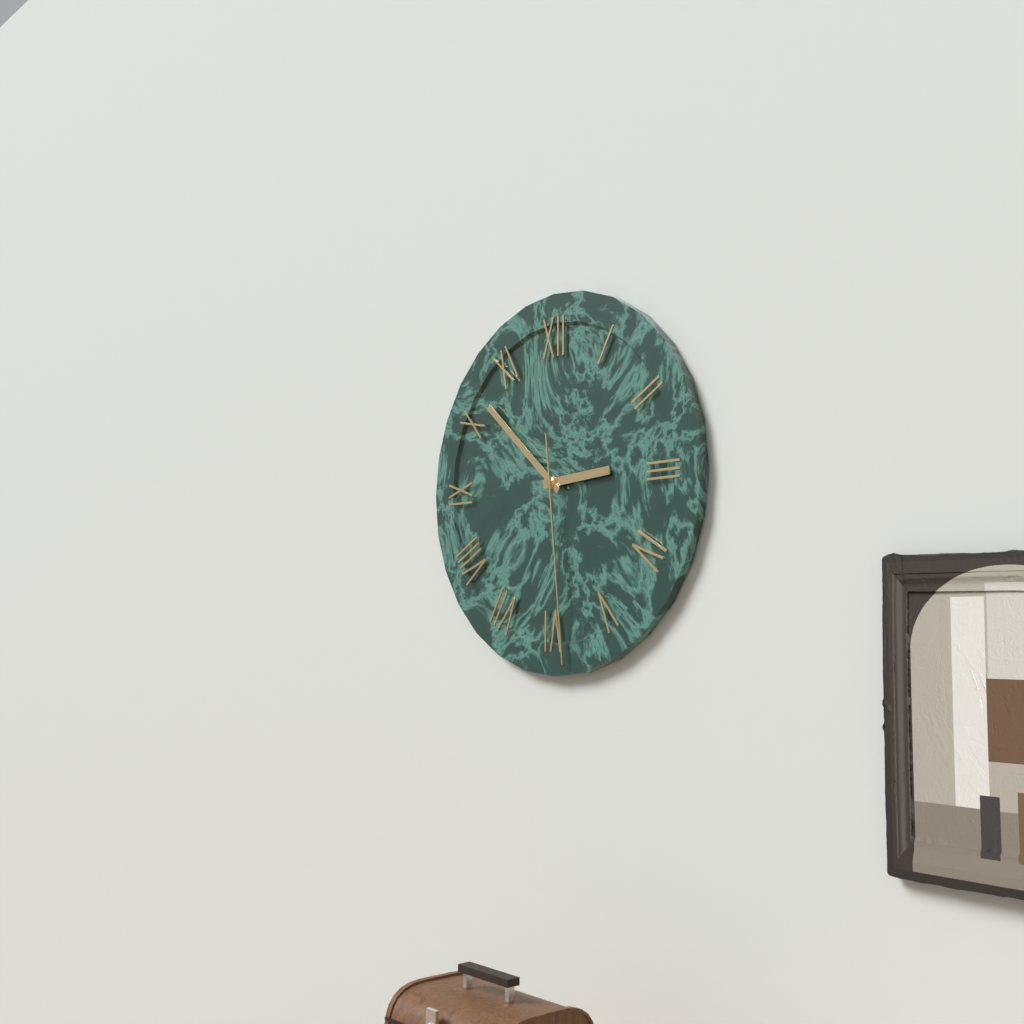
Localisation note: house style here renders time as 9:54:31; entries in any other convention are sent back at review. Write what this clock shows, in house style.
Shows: 2:52:29
